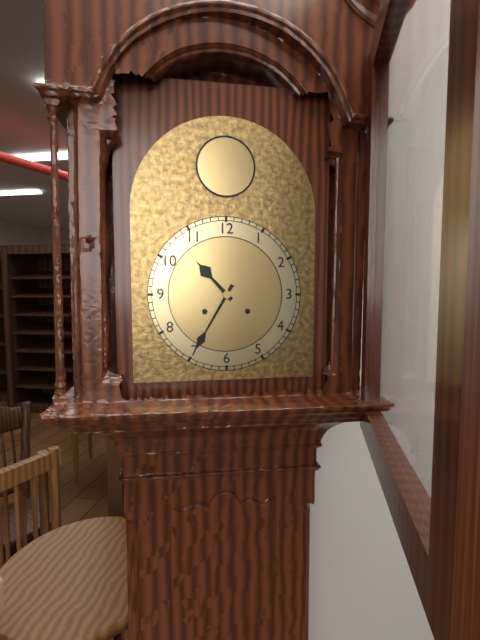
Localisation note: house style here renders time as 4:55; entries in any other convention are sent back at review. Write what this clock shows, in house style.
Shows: 10:35
